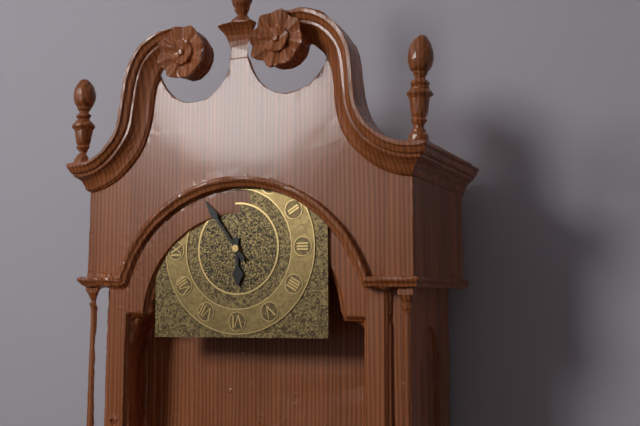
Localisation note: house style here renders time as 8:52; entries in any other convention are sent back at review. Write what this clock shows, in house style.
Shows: 5:54
